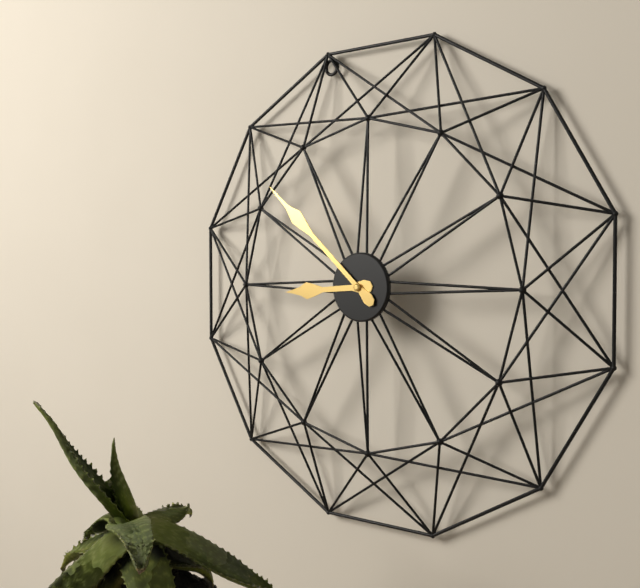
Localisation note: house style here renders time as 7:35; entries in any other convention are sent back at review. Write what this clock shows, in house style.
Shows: 8:52
